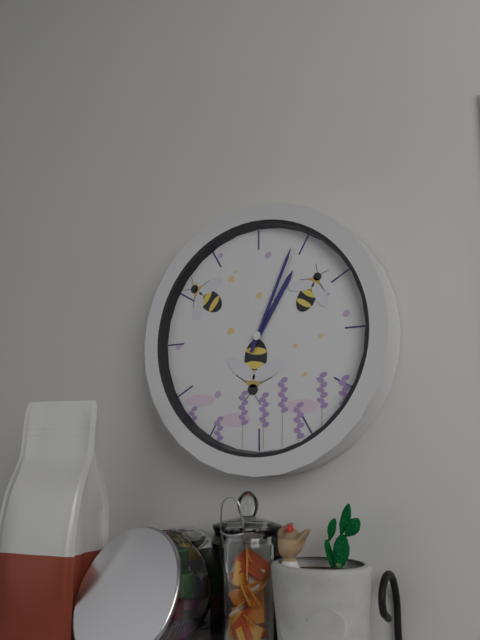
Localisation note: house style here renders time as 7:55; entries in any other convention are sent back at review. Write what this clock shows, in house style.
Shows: 1:04
